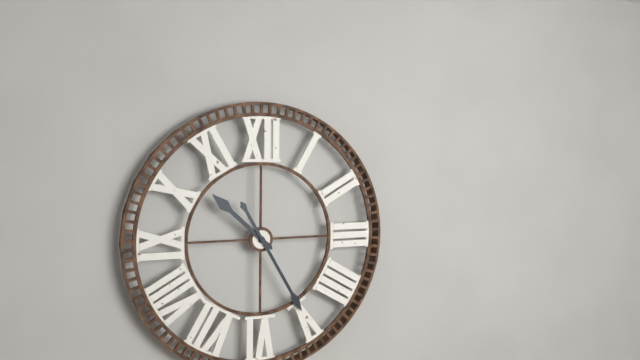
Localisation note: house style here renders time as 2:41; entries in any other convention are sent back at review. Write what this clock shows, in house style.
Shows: 10:25
